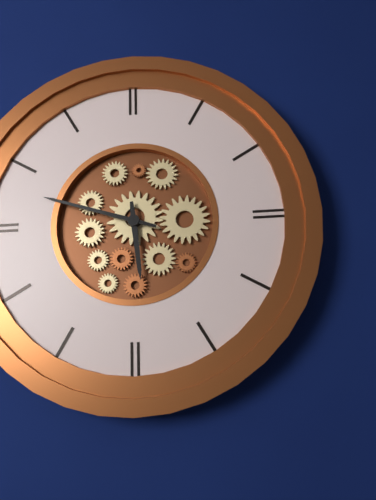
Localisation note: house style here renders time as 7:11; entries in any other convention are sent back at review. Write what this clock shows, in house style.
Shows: 5:48
